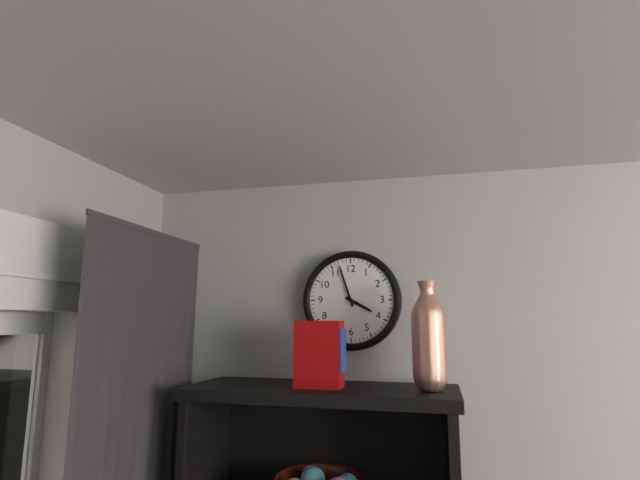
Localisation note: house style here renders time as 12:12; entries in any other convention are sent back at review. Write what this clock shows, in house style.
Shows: 3:57
